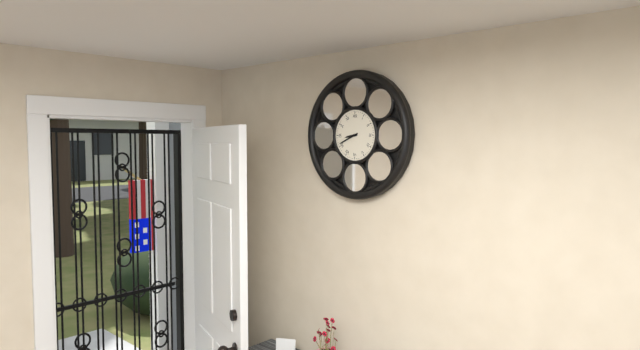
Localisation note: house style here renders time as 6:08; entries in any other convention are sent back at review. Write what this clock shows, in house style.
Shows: 8:41
